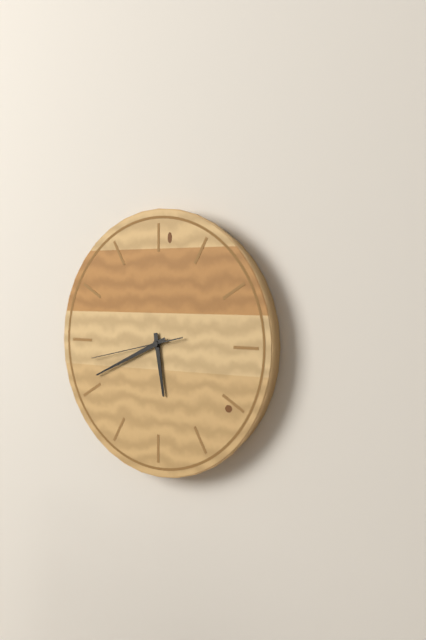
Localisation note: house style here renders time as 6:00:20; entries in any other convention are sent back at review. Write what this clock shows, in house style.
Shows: 5:41:43
